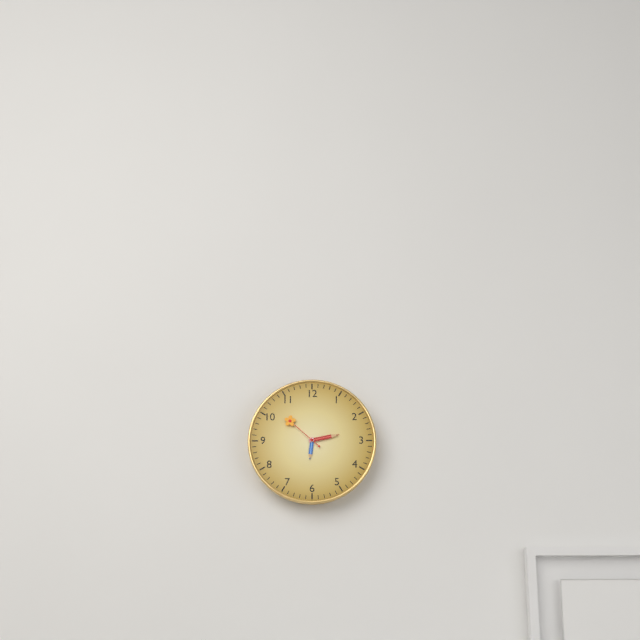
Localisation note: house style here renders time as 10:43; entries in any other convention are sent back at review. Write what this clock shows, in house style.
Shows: 6:13
